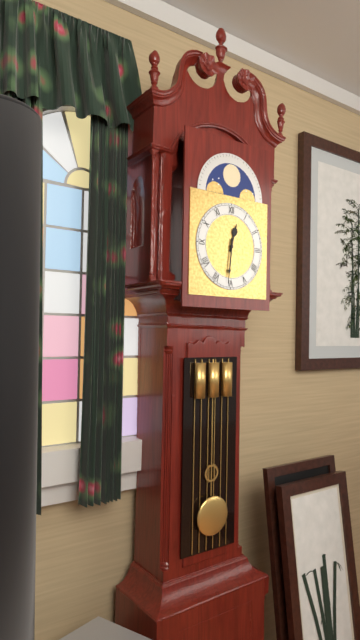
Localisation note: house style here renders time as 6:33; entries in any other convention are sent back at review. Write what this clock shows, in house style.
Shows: 12:31
